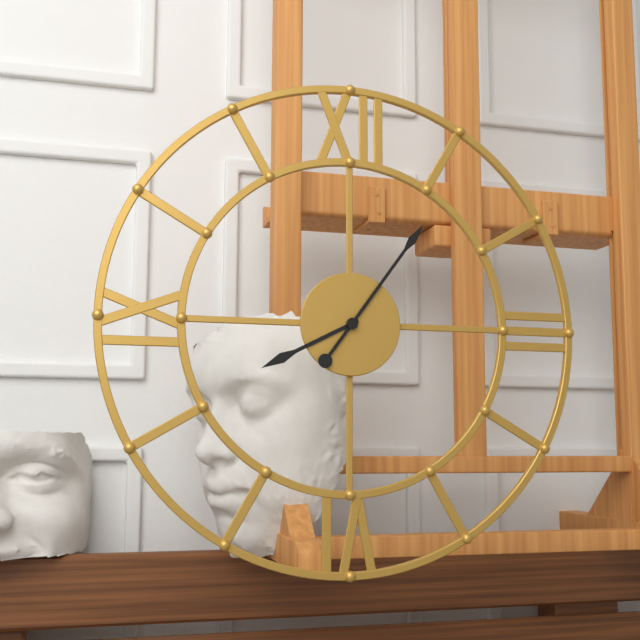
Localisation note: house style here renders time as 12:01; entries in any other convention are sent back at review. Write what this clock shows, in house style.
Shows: 8:06
